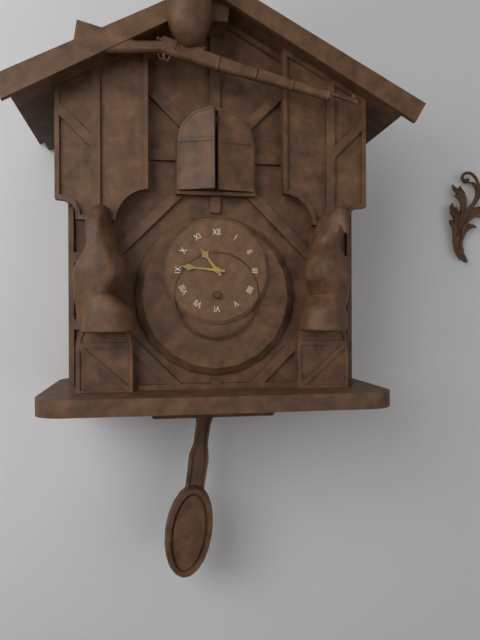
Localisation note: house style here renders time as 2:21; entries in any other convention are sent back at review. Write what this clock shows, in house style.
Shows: 10:46
